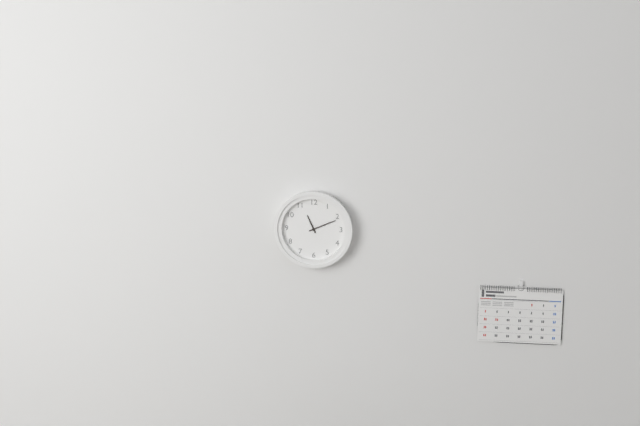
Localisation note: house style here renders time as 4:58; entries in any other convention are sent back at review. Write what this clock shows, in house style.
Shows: 11:11
